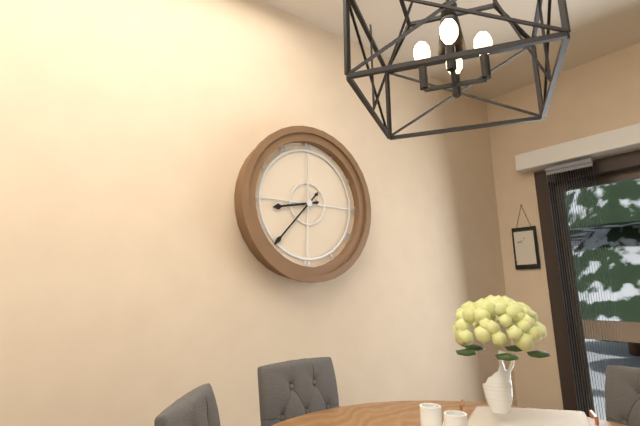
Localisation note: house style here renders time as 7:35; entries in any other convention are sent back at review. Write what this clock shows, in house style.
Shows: 8:37
